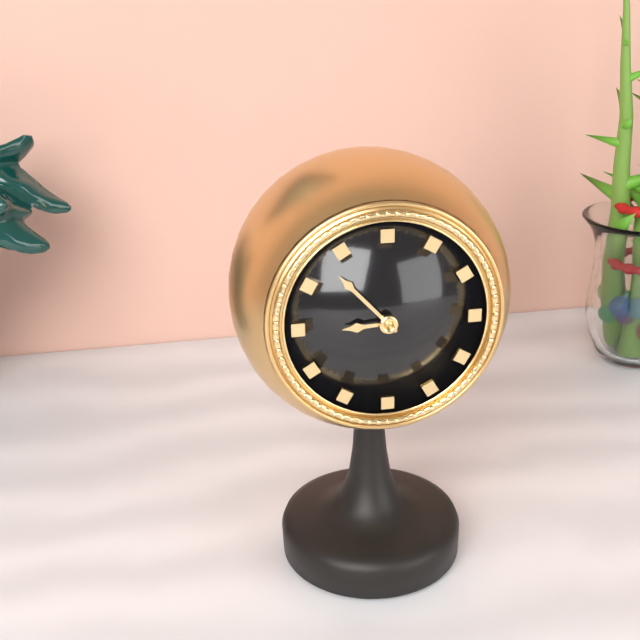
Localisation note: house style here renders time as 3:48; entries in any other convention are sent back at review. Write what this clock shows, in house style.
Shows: 8:53
